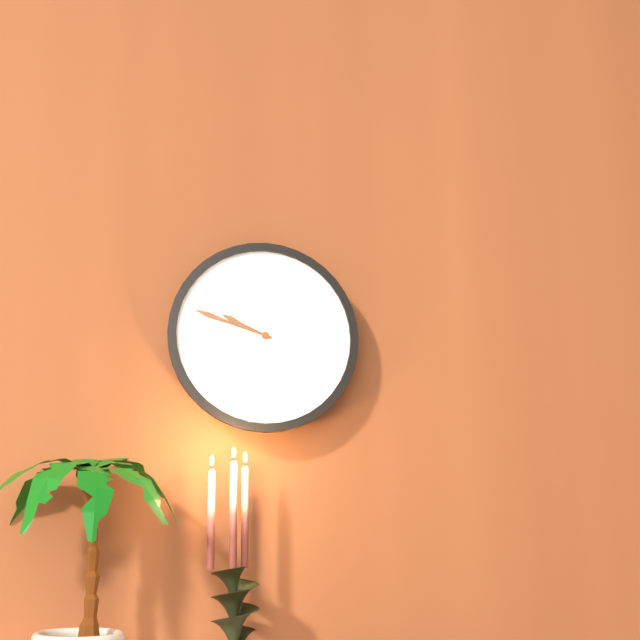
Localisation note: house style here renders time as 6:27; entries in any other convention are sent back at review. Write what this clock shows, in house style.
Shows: 9:48
